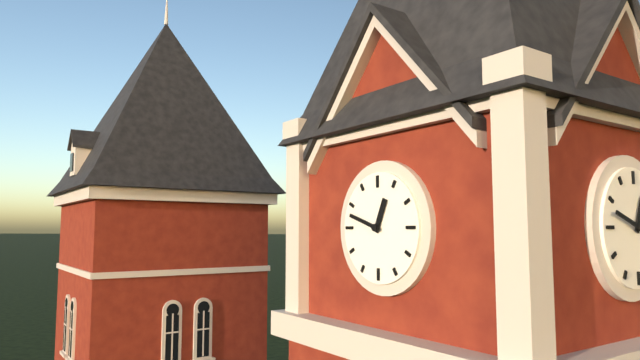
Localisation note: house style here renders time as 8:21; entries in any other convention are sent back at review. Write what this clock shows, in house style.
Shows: 12:48
